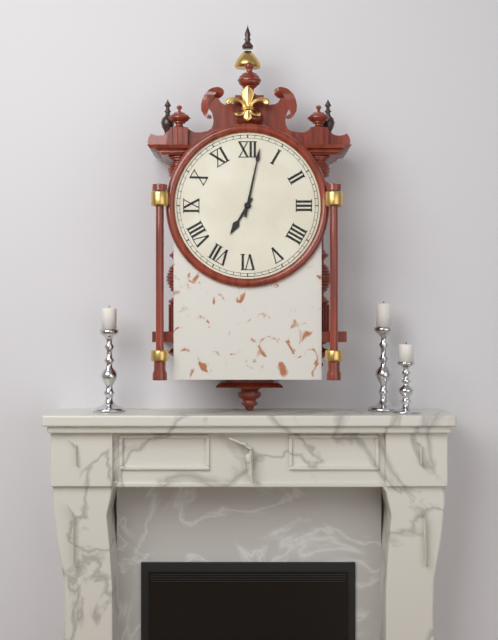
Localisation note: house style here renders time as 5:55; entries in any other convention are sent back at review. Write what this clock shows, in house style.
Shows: 7:02
